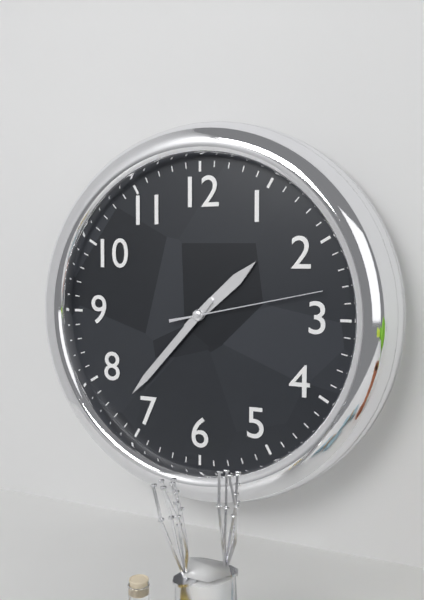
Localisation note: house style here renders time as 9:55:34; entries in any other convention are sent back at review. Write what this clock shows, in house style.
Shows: 1:37:13
